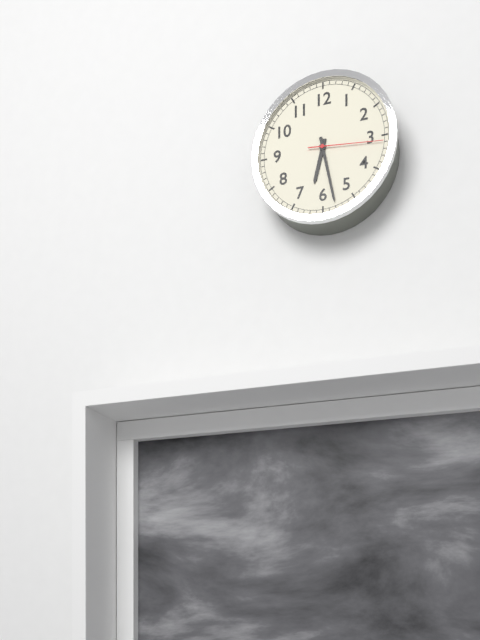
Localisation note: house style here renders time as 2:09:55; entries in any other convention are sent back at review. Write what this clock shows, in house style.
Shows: 6:28:16
